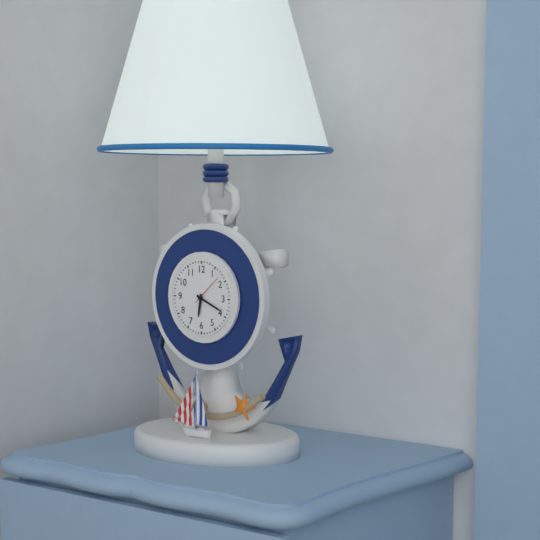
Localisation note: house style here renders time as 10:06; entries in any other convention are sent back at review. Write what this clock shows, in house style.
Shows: 6:19
